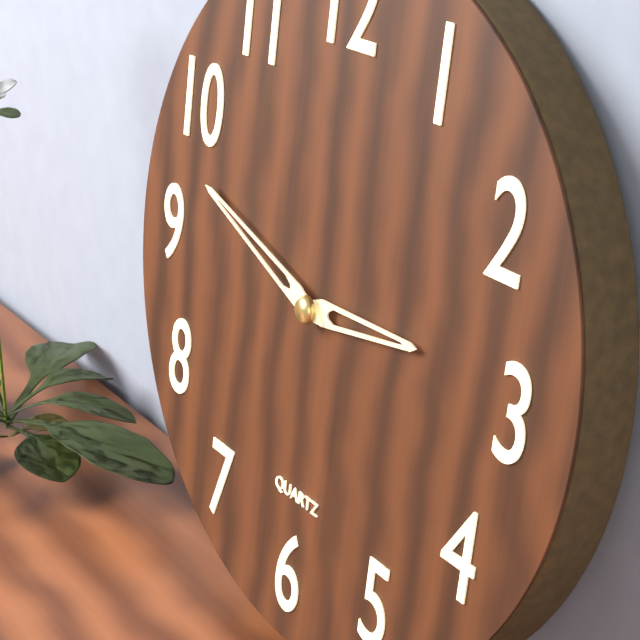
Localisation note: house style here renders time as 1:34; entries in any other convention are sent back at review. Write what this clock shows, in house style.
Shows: 2:48
